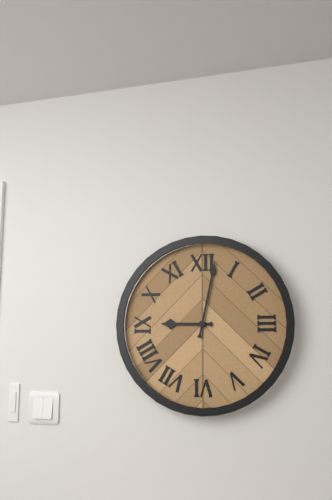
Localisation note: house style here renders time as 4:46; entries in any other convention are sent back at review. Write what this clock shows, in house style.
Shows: 9:02
